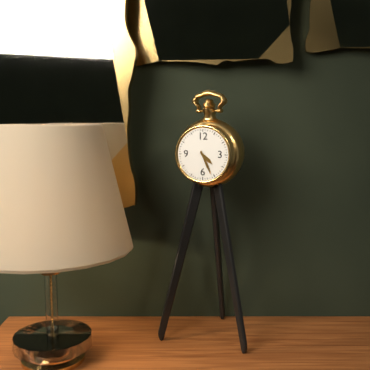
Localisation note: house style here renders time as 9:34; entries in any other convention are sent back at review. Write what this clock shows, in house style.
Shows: 4:26
